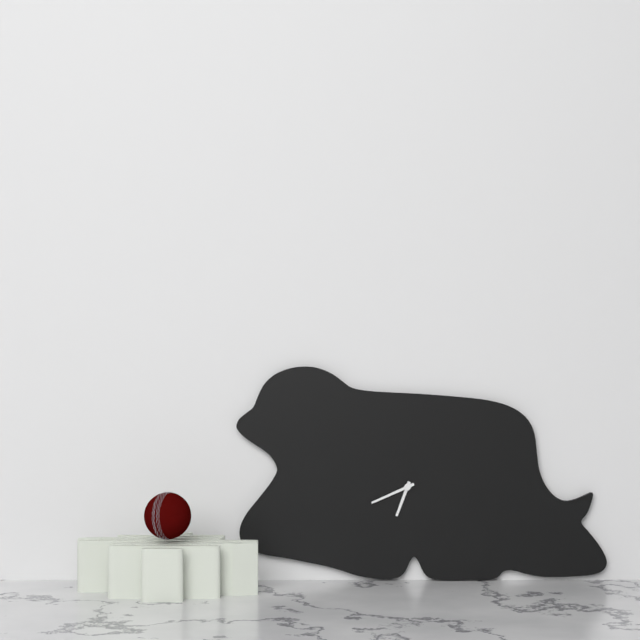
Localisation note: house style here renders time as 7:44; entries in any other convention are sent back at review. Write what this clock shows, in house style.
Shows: 6:41
